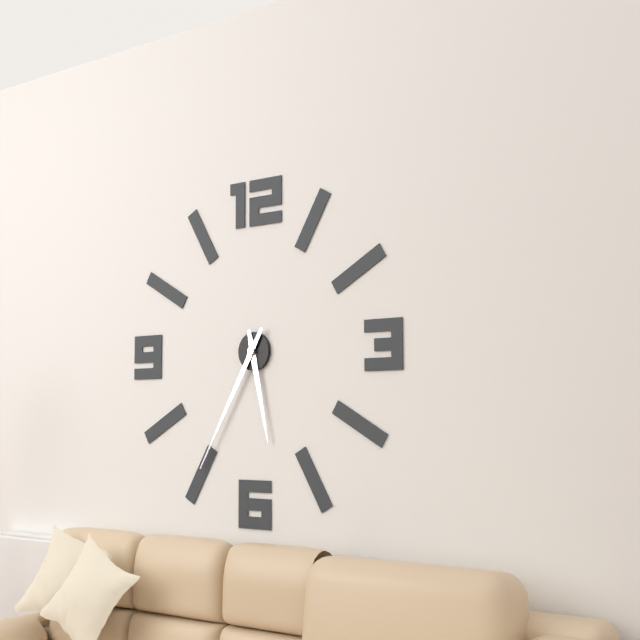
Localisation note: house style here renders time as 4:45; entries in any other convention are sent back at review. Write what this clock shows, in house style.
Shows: 5:35
